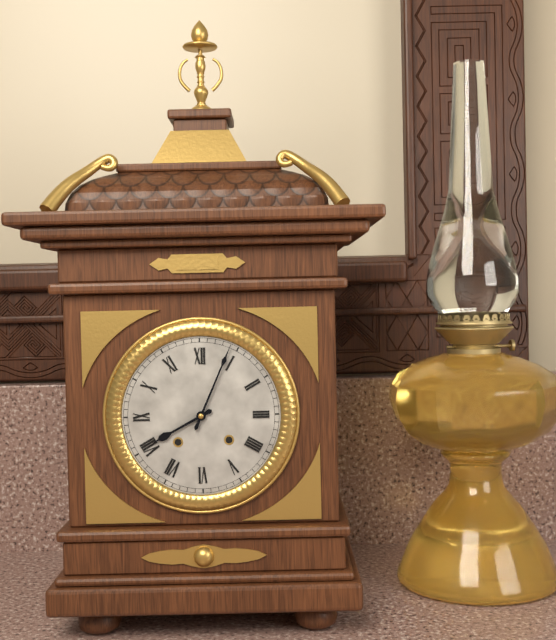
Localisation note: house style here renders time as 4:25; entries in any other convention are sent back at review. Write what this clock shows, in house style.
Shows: 8:04
